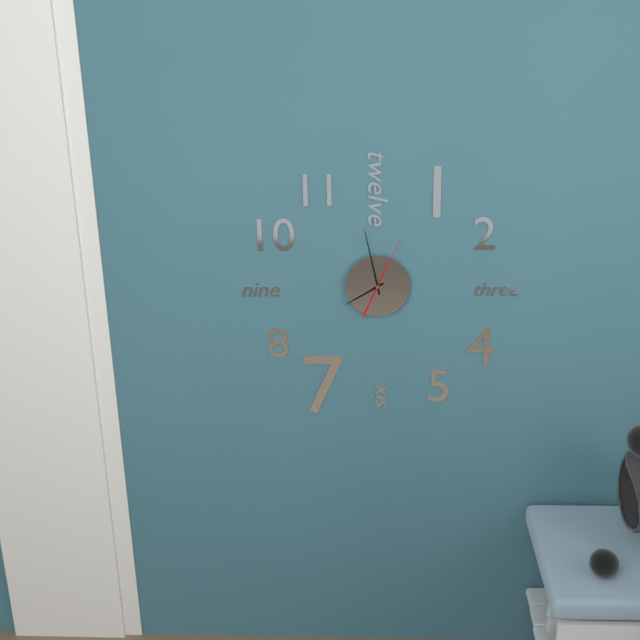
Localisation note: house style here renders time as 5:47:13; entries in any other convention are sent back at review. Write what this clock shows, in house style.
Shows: 7:58:04
